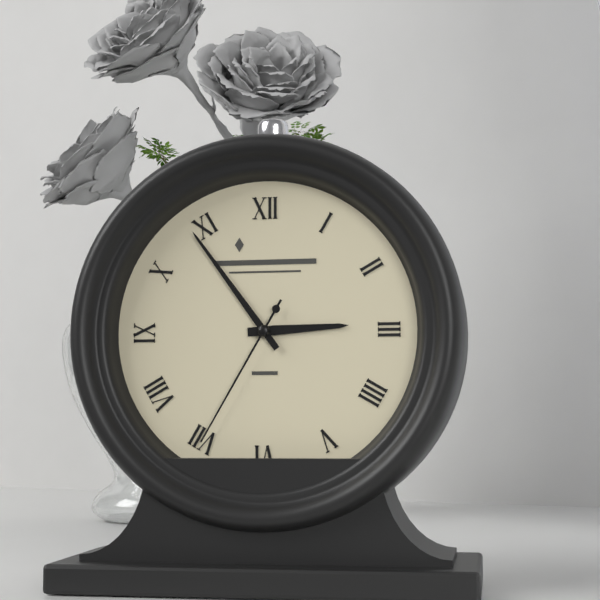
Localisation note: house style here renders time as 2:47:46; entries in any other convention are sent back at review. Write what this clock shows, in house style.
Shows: 2:54:35
